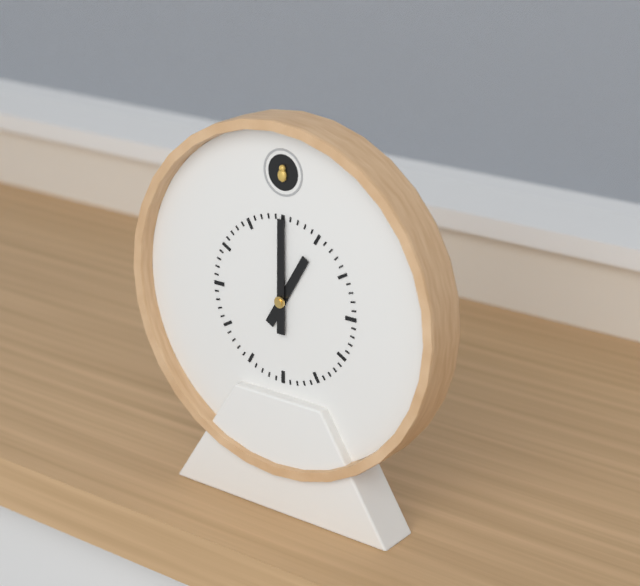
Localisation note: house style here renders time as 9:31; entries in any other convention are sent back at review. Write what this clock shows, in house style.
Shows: 1:00
